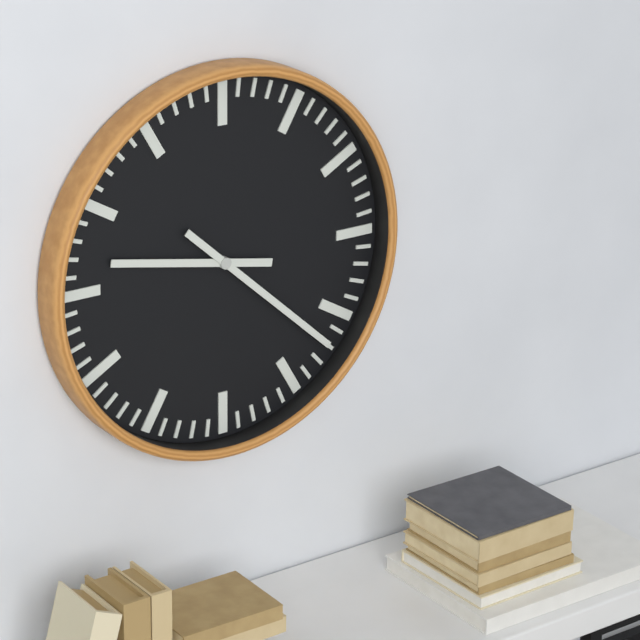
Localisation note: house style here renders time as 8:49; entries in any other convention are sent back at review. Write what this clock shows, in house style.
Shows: 9:22
